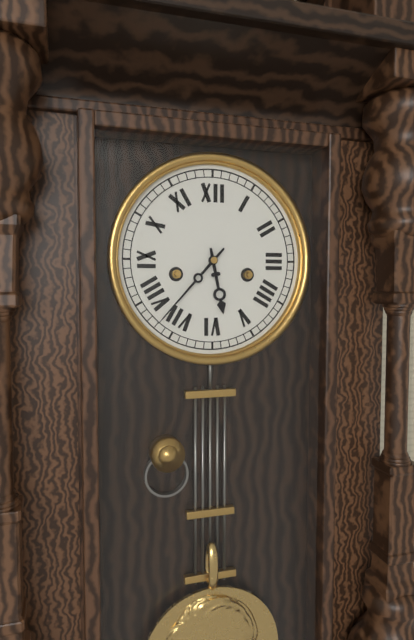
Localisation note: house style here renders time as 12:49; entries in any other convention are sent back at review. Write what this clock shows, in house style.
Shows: 5:37
